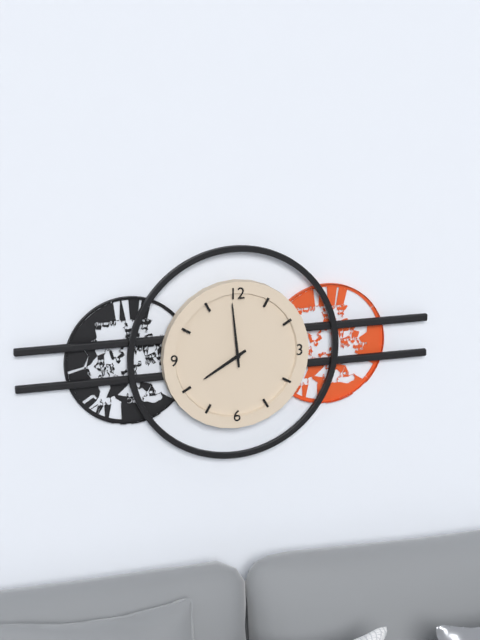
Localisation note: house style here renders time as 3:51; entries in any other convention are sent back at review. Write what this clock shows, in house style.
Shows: 7:59
